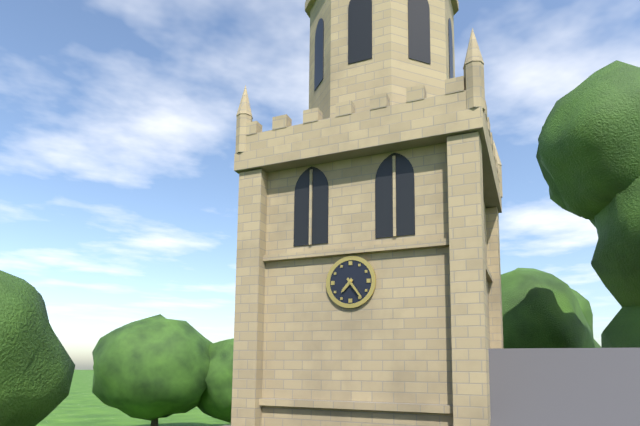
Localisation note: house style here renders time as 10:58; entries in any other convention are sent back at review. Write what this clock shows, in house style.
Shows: 7:24
